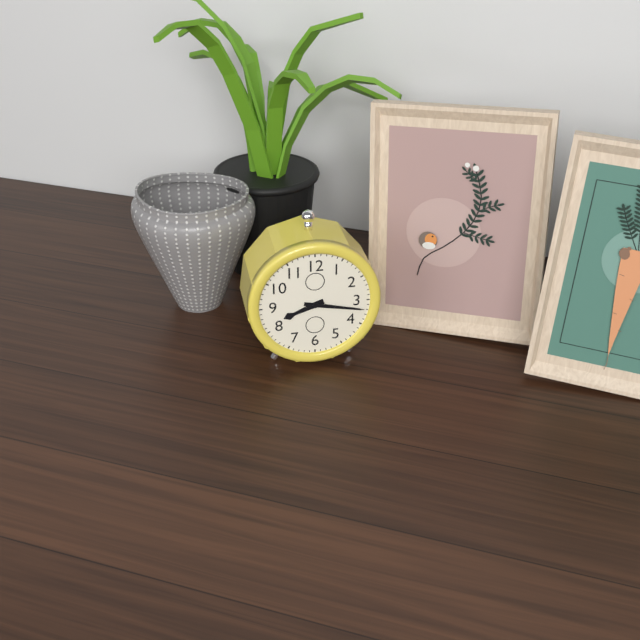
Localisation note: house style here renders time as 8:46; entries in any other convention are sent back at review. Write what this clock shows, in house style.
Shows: 8:17
